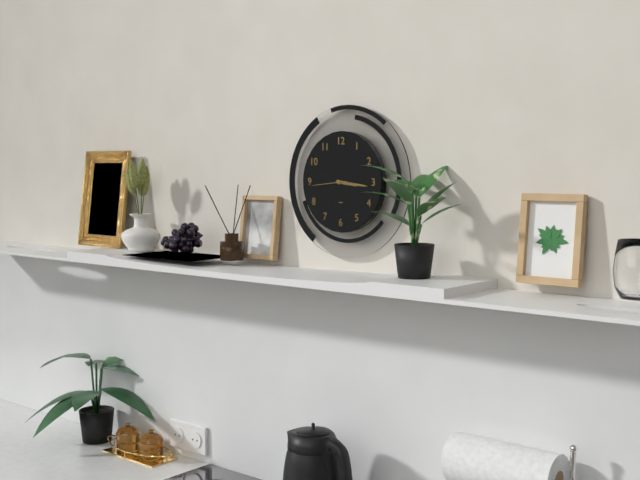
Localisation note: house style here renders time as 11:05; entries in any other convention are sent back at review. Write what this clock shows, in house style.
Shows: 3:16
